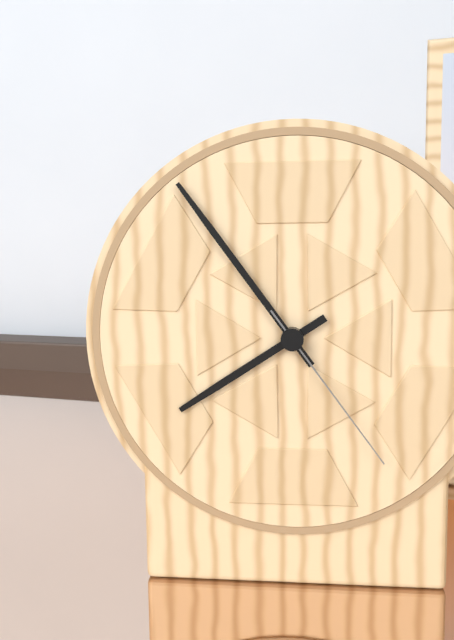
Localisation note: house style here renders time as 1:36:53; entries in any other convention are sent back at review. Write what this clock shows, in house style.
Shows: 7:54:24
